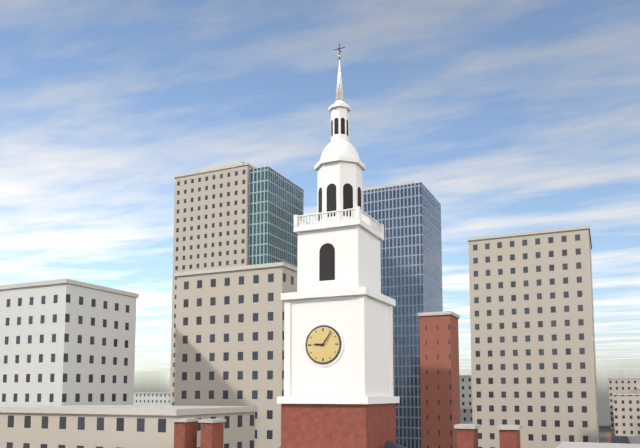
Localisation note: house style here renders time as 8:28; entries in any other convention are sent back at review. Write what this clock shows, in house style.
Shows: 9:06
